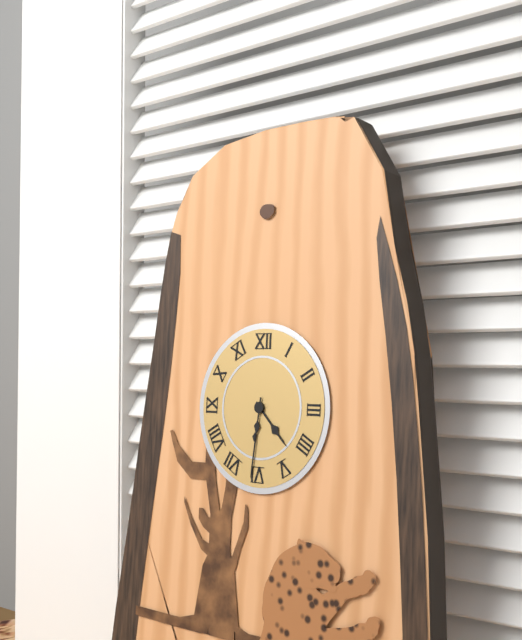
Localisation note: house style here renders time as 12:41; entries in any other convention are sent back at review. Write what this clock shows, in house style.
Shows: 4:31
